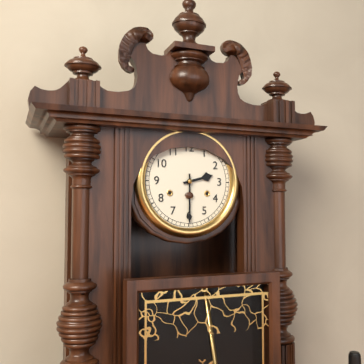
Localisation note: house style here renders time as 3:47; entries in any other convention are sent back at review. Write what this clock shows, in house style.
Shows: 2:30
